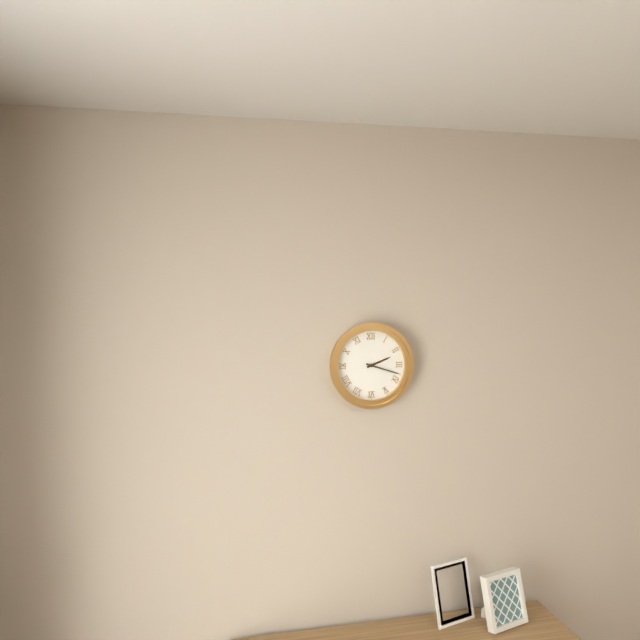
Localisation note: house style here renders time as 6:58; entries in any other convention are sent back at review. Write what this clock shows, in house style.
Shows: 2:18
